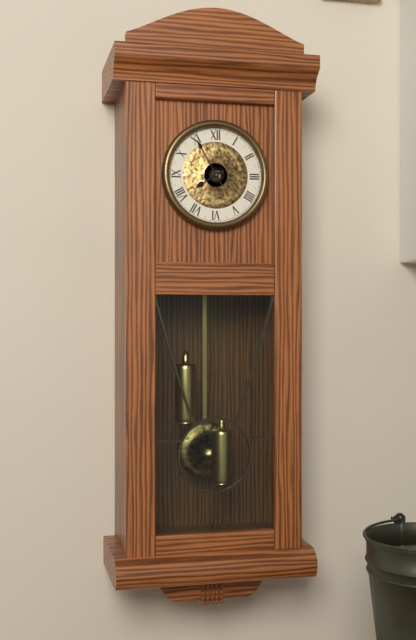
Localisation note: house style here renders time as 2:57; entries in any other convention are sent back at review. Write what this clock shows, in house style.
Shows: 7:55
